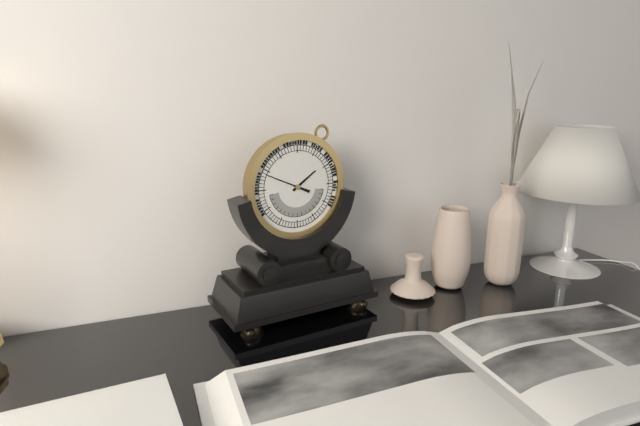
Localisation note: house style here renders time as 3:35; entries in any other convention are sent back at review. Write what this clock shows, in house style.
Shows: 1:49
